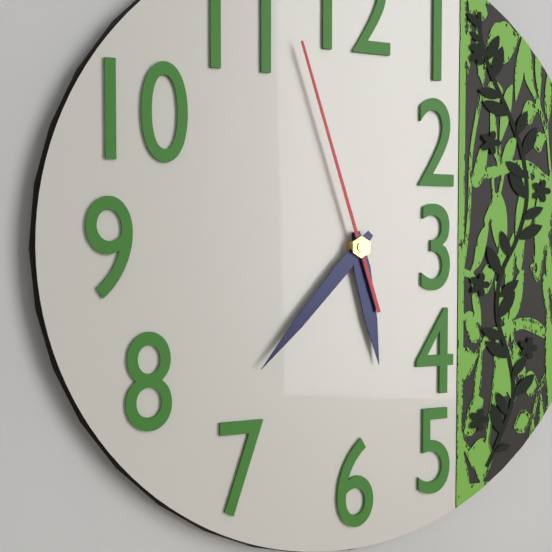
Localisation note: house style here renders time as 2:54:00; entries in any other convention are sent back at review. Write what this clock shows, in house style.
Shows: 5:37:57
